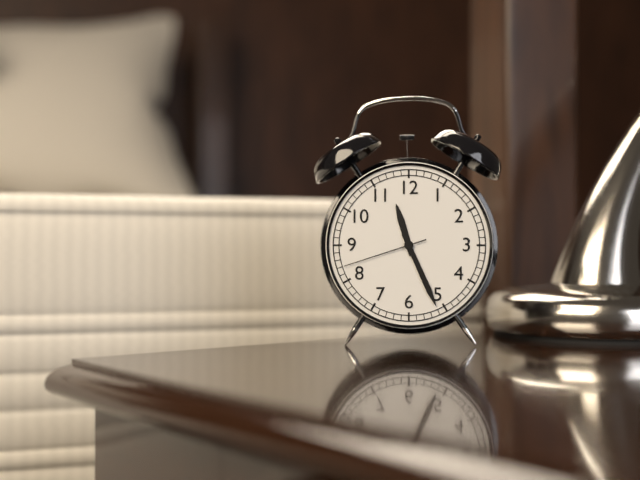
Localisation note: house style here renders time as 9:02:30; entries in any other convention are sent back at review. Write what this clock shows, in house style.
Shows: 11:26:42
